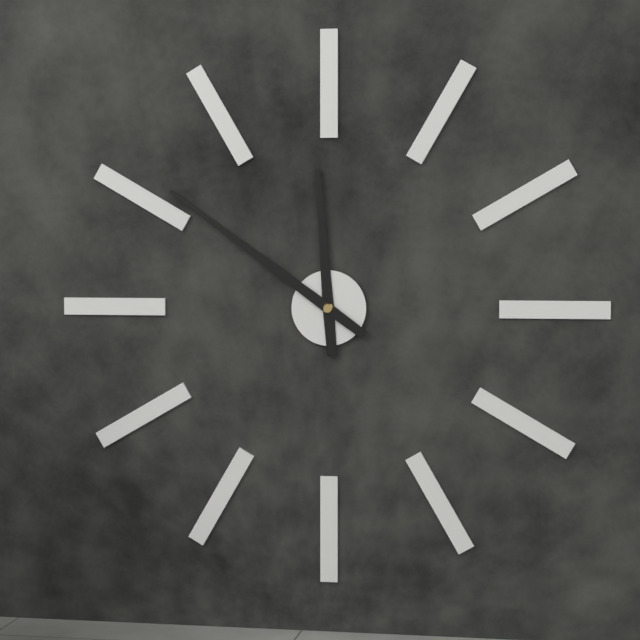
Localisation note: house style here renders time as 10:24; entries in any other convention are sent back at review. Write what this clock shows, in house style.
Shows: 11:51
